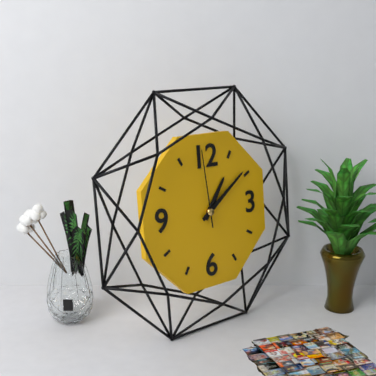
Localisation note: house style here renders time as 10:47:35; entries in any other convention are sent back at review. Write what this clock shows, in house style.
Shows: 1:09:59
